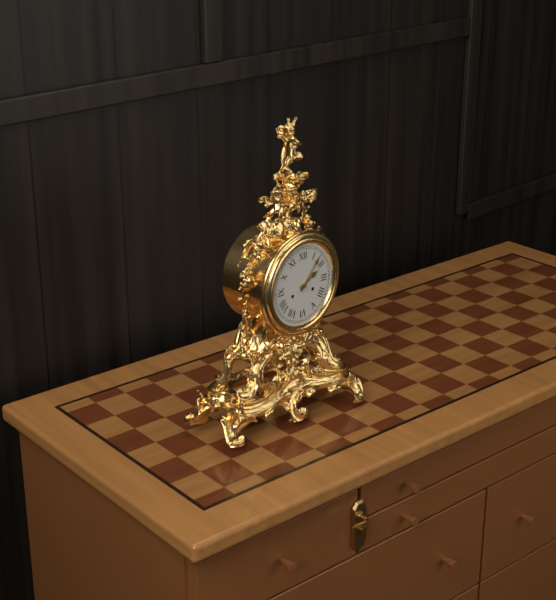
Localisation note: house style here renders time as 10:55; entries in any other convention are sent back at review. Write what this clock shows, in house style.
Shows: 2:07
